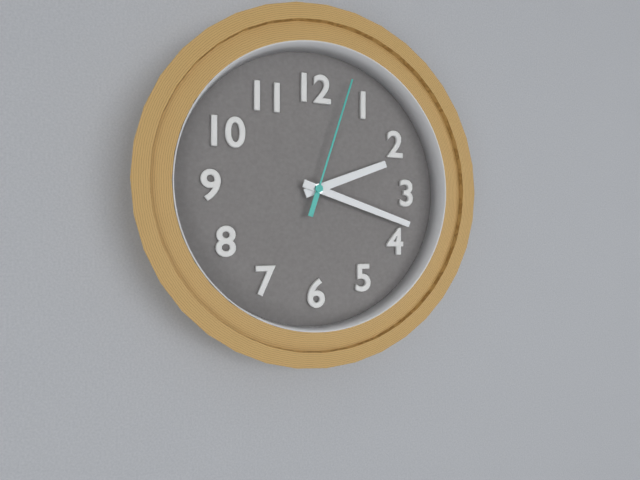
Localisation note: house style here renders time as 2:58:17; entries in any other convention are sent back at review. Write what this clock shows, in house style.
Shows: 2:18:03
